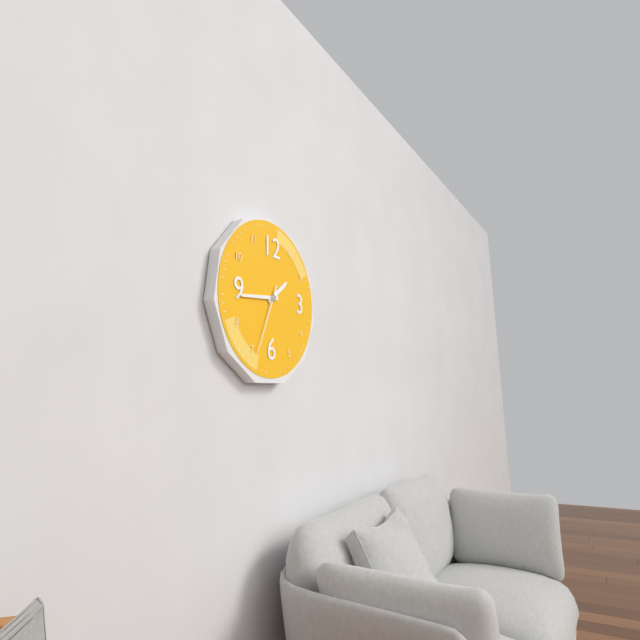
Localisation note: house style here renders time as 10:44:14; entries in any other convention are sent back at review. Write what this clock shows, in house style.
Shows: 1:44:34
